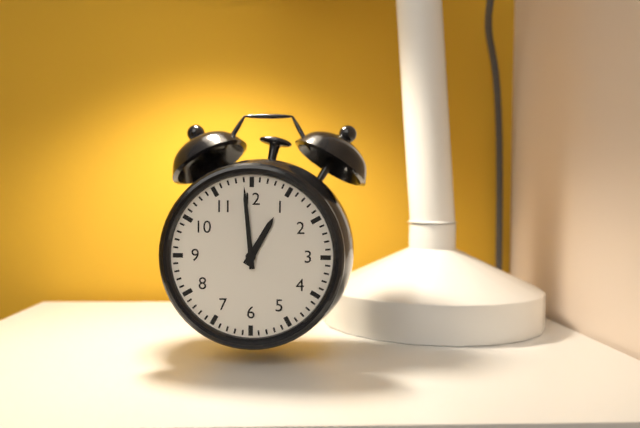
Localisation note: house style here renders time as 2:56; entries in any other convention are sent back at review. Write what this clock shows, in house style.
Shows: 12:59
